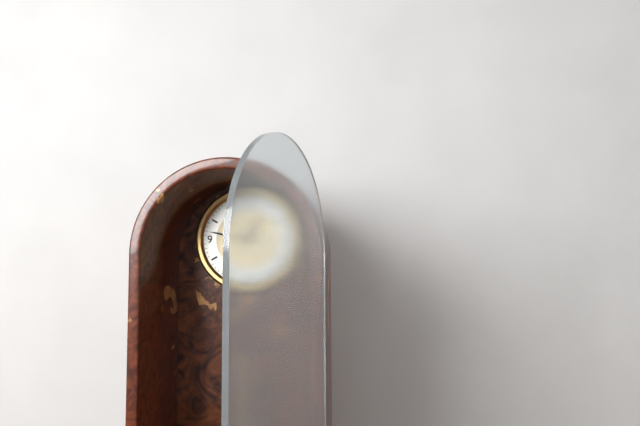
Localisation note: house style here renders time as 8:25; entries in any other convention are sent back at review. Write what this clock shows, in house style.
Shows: 12:47
